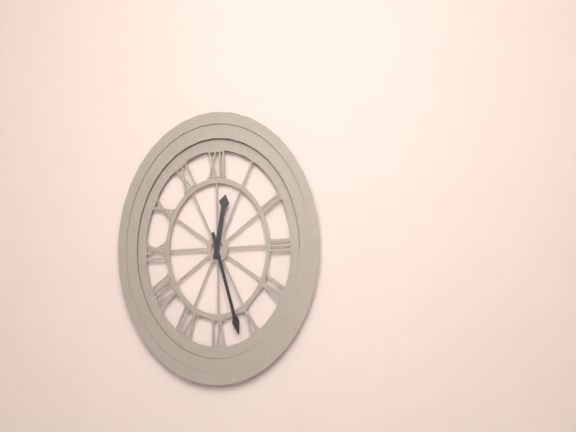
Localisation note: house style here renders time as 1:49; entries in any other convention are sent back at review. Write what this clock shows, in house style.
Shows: 12:27
